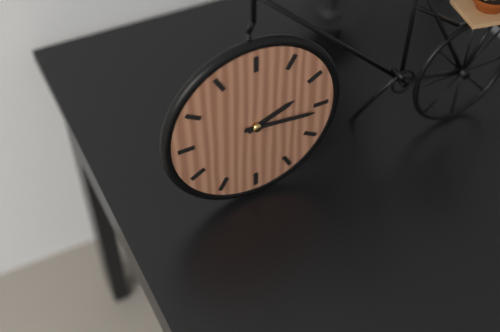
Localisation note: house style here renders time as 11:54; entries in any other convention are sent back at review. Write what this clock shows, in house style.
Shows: 2:16
